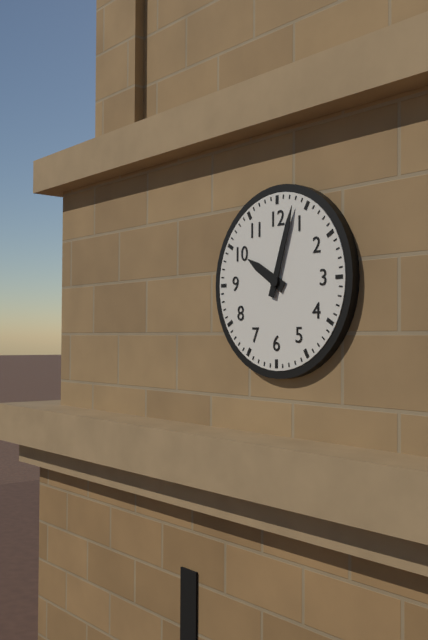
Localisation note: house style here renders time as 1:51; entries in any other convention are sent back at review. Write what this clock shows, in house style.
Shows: 10:03
